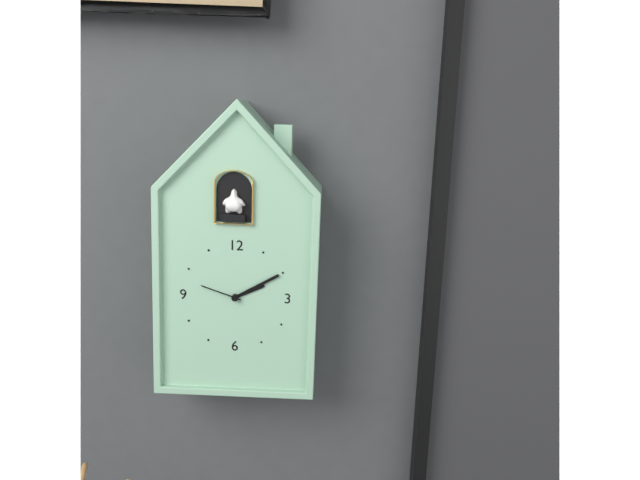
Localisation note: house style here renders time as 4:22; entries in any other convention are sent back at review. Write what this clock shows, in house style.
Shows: 2:10
